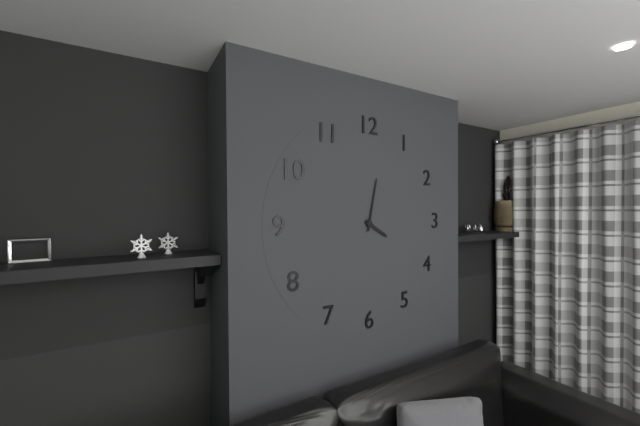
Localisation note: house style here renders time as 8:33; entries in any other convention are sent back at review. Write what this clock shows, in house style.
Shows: 4:02
